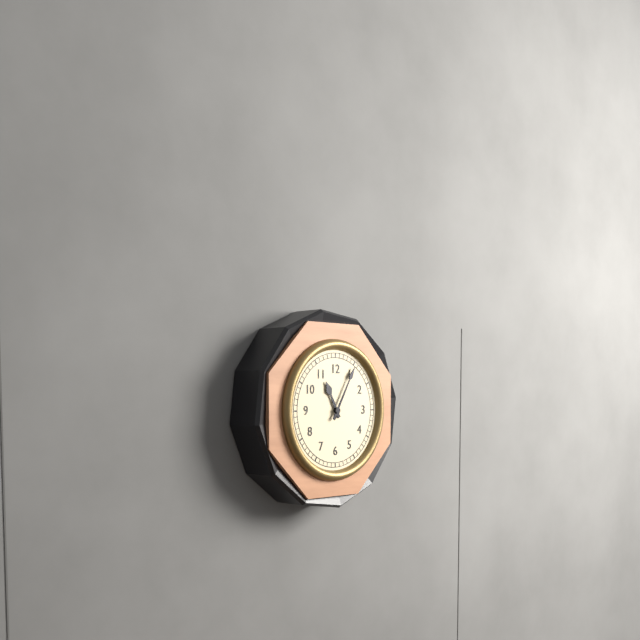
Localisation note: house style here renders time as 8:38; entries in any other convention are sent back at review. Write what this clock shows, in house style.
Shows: 11:05
